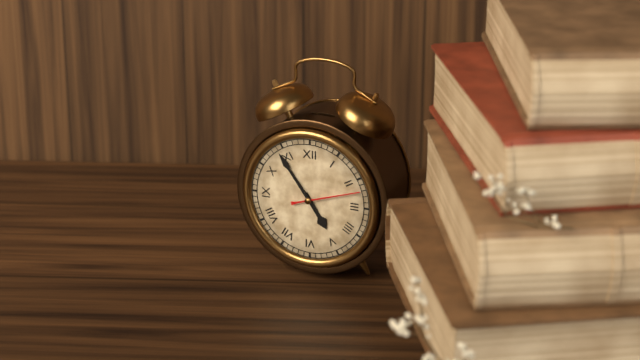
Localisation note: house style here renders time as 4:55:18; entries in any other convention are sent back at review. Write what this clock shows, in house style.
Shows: 4:54:12
